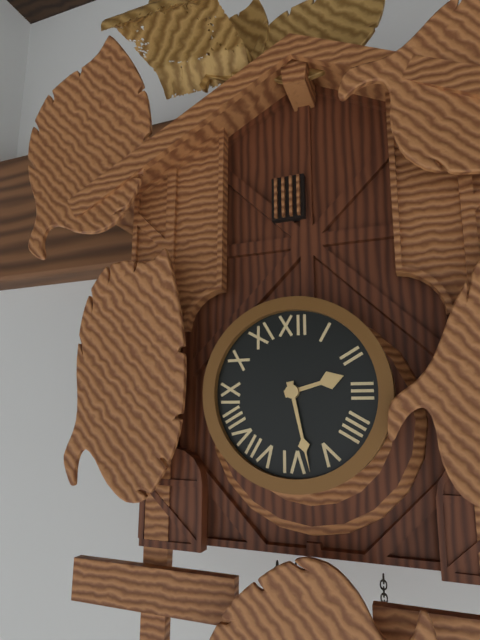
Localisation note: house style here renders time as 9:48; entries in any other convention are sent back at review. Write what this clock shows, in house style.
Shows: 2:28
